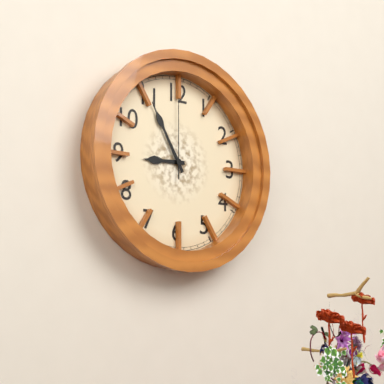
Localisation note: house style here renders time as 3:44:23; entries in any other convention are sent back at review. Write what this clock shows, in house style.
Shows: 8:55:00
